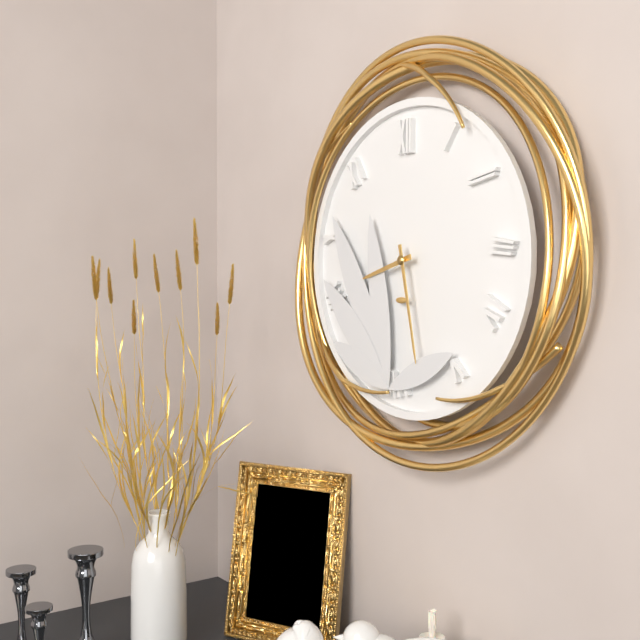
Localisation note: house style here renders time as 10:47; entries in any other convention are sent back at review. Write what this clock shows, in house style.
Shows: 8:28
